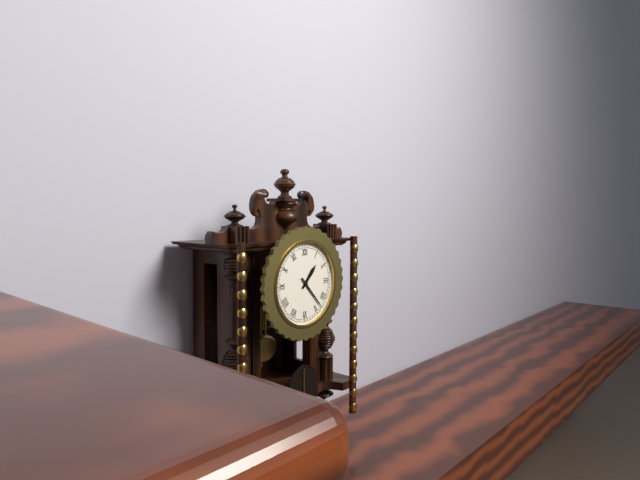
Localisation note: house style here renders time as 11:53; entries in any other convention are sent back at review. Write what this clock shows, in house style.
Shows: 1:23
